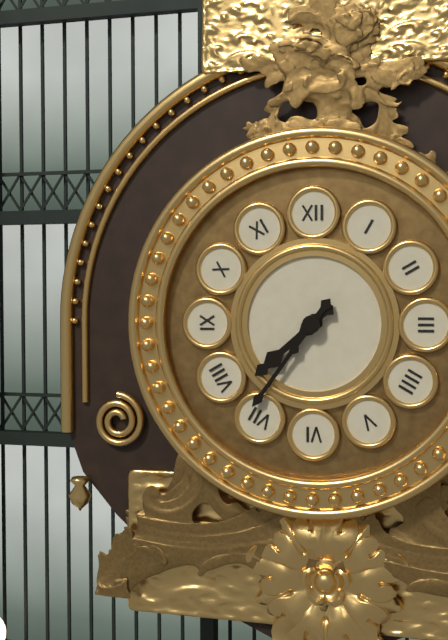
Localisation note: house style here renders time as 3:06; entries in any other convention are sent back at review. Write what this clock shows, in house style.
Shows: 7:36
